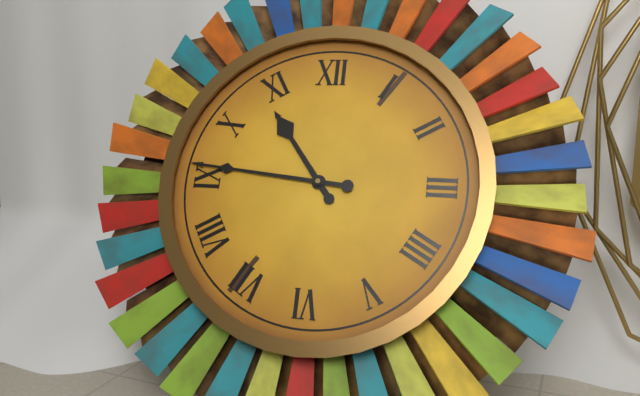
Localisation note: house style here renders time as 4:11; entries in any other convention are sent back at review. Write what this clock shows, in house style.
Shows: 10:46
